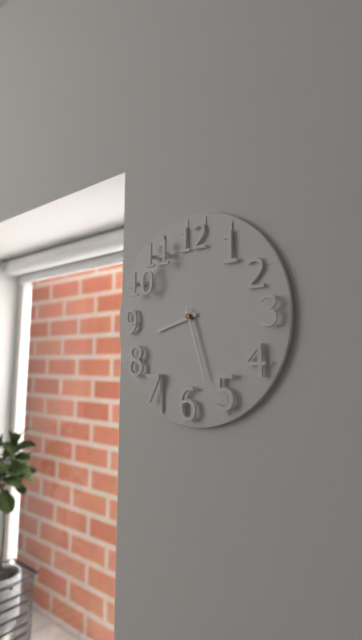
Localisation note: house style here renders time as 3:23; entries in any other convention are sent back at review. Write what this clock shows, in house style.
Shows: 8:27
